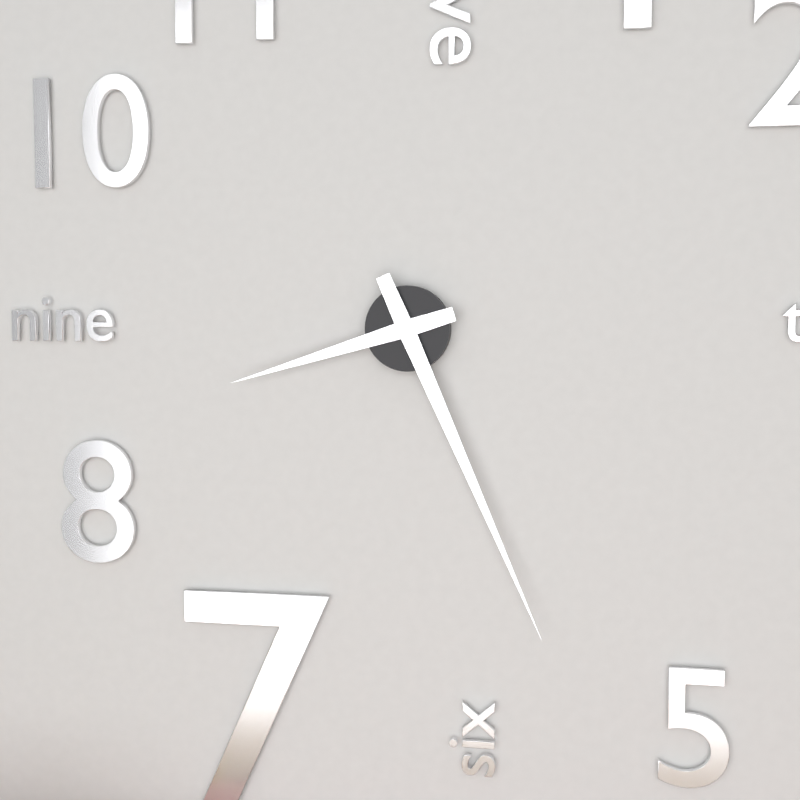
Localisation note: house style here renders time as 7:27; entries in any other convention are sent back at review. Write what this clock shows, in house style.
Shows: 8:26
